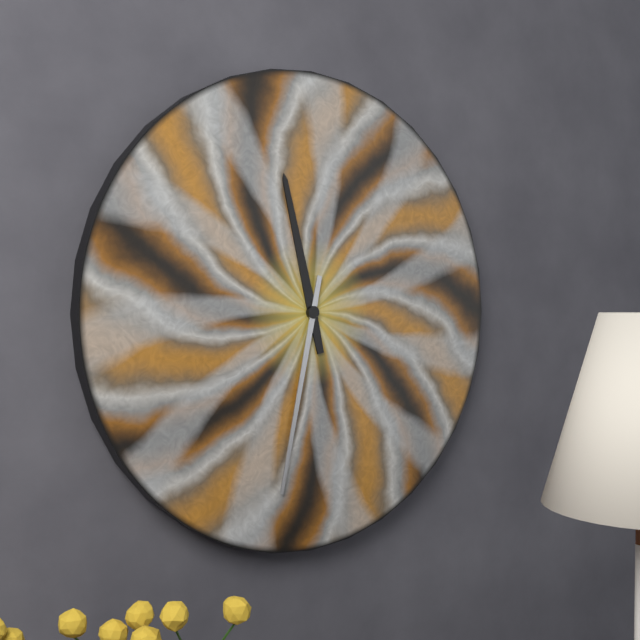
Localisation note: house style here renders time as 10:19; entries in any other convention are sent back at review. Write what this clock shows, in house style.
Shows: 11:32
